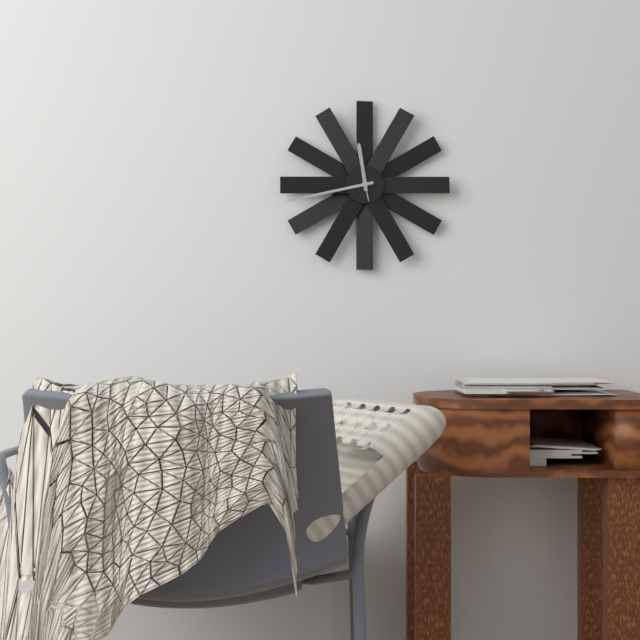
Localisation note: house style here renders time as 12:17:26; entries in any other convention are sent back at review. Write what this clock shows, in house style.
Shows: 11:43:58
